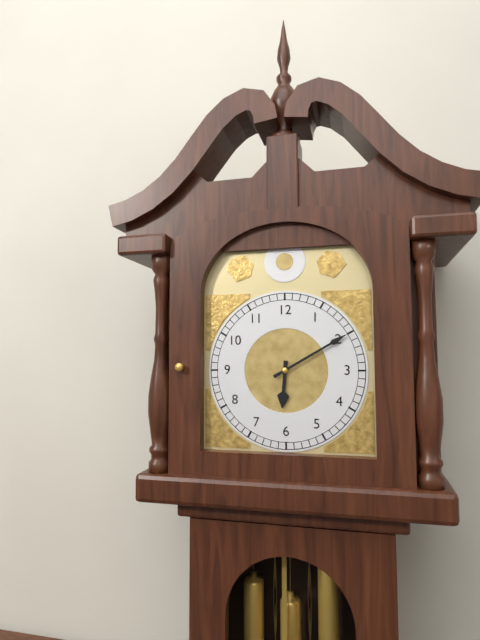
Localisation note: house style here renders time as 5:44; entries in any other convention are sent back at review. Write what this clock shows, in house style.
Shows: 6:10
